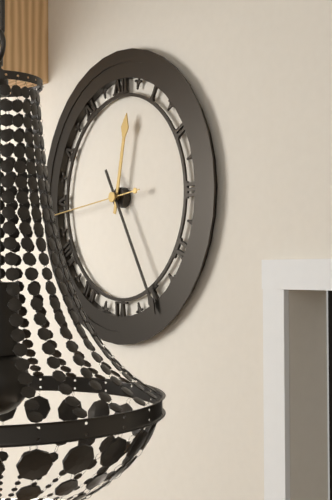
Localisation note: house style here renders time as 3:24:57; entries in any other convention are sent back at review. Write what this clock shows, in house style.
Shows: 12:25:44
